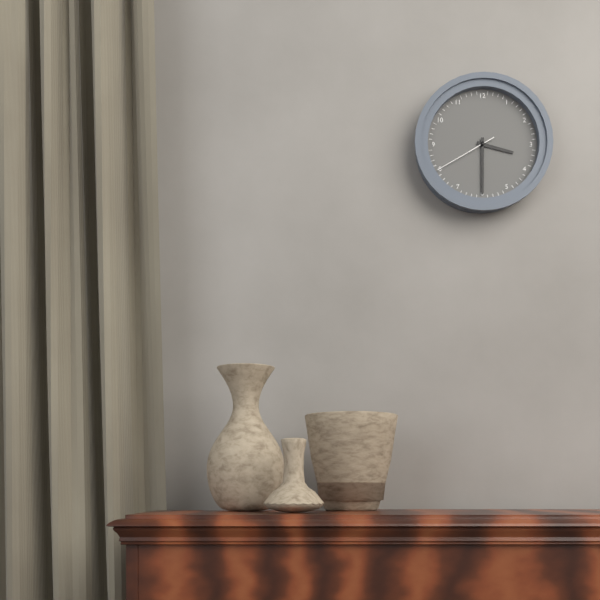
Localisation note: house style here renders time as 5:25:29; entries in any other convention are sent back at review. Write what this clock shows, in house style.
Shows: 3:30:40
